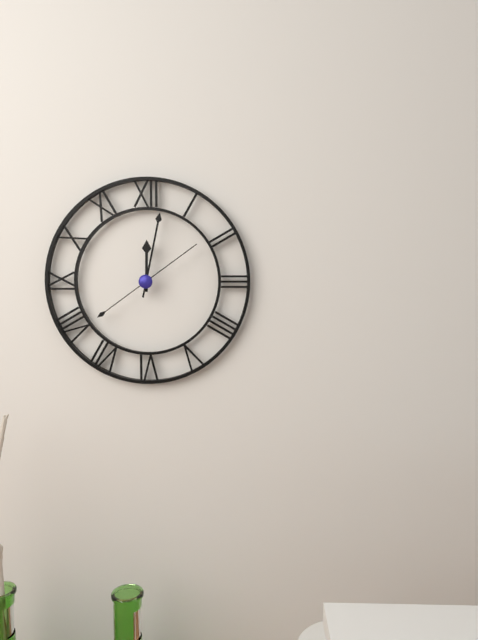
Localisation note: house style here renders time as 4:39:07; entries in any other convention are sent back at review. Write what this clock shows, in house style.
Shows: 12:02:09
